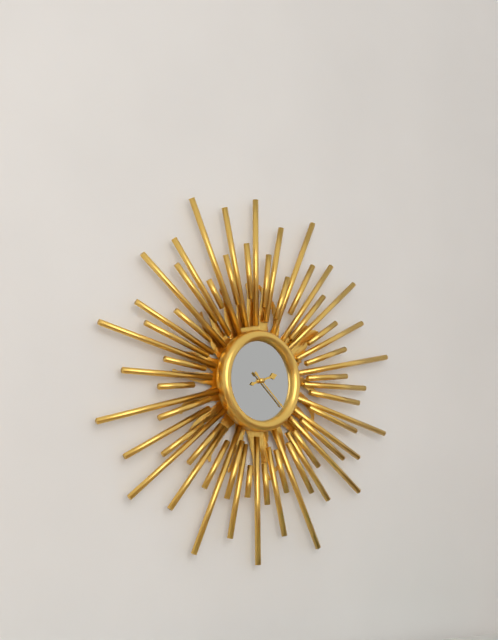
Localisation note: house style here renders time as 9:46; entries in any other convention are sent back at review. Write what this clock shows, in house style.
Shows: 2:22
